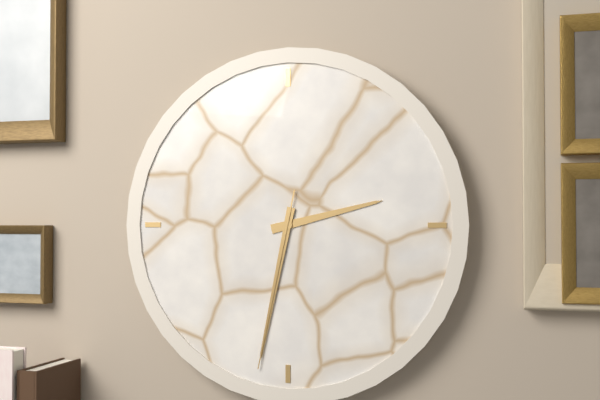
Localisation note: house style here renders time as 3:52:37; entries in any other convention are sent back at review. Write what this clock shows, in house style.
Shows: 2:32:32
